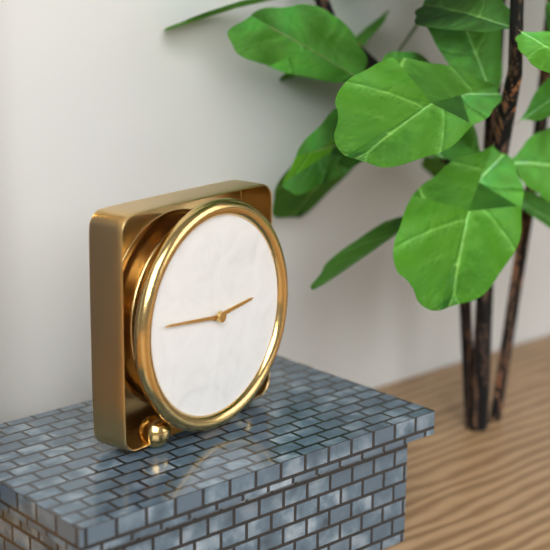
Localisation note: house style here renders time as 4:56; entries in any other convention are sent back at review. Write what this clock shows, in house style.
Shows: 2:46
